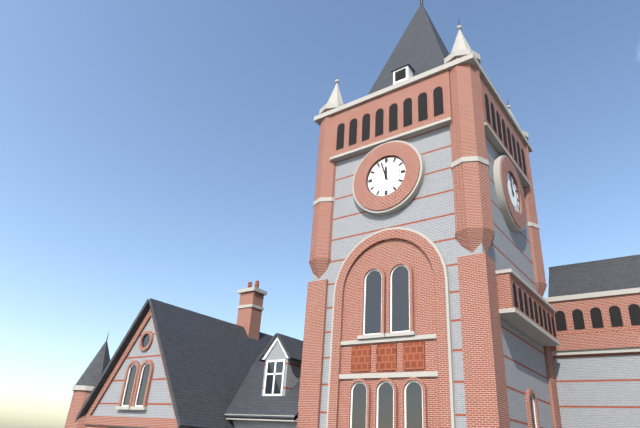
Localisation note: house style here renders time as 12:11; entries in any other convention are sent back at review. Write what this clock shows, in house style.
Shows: 11:57
